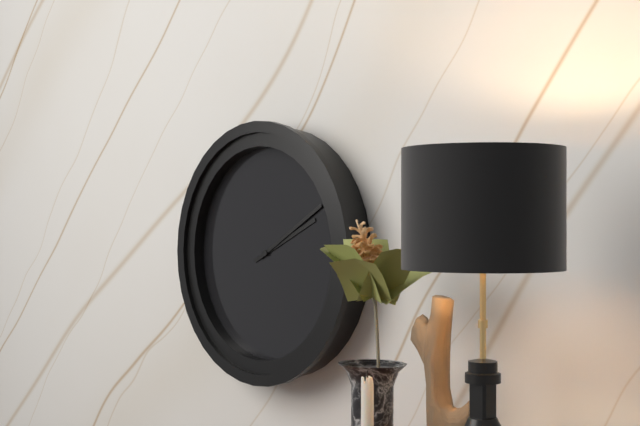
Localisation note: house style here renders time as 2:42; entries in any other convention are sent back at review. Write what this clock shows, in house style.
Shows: 2:10
